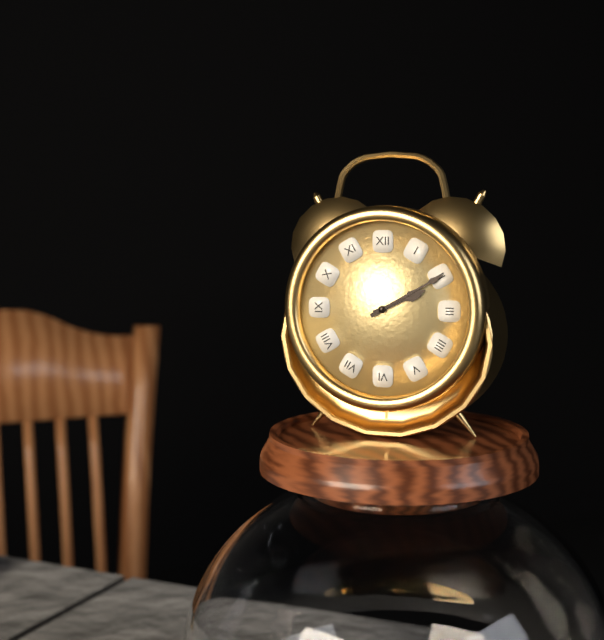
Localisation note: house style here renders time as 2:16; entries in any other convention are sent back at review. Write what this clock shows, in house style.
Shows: 2:10
